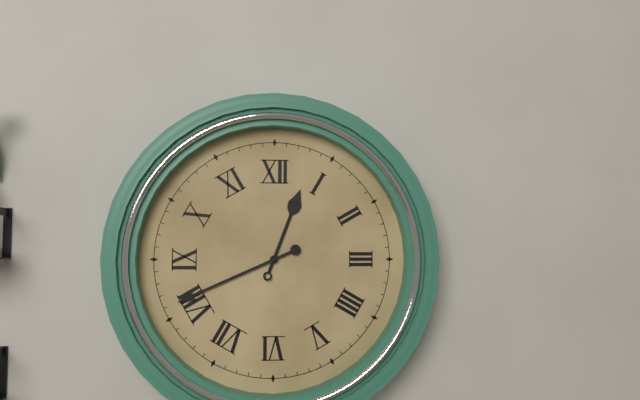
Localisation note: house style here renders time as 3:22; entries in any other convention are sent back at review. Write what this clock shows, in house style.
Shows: 12:41
